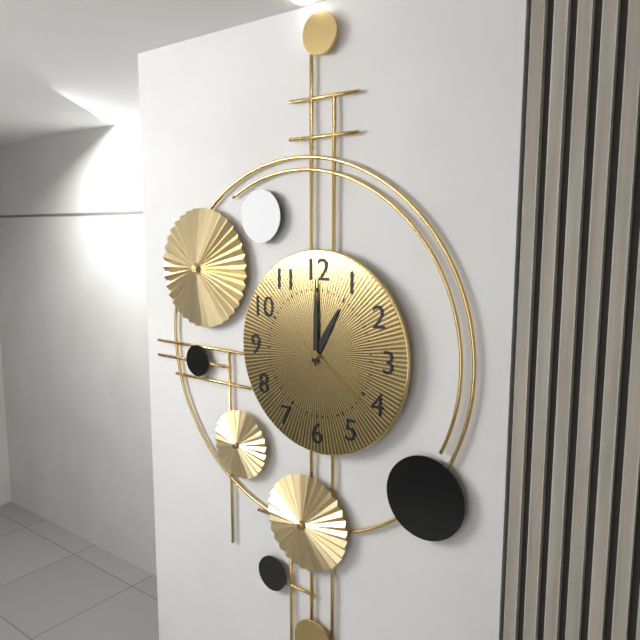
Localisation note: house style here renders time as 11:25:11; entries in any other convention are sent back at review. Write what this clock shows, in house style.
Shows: 1:00:21
